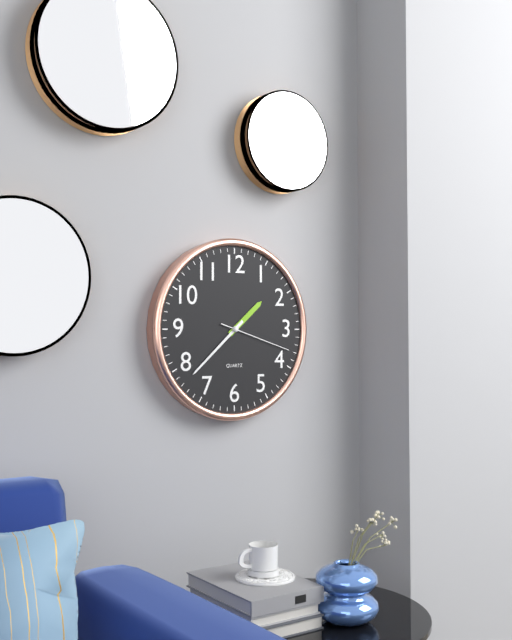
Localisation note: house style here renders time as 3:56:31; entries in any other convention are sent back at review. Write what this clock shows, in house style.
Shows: 1:38:18
